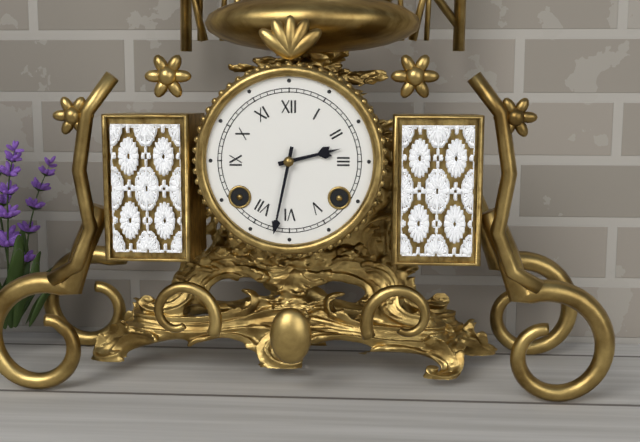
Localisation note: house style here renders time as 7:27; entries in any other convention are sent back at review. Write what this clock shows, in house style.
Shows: 2:32
